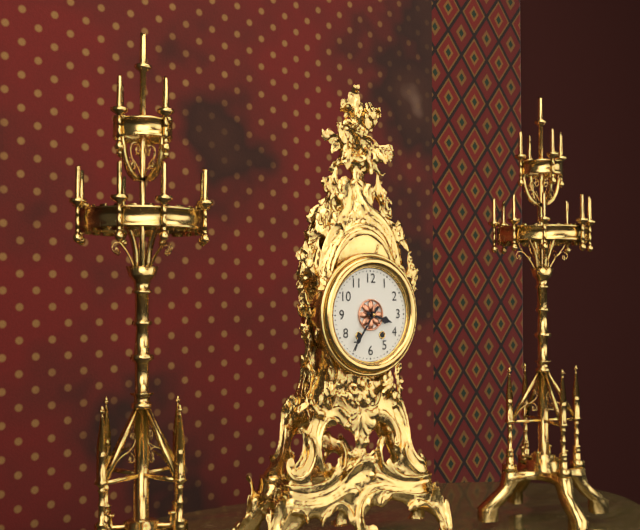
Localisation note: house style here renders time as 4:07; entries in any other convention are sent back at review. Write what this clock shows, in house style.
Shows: 3:36
